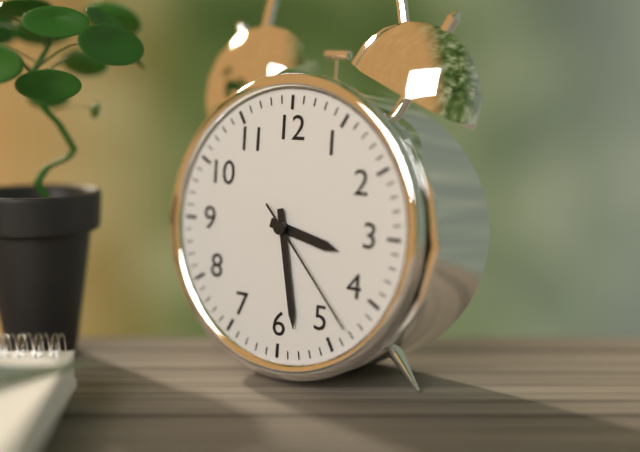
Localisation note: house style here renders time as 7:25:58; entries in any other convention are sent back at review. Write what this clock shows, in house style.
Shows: 3:28:23
